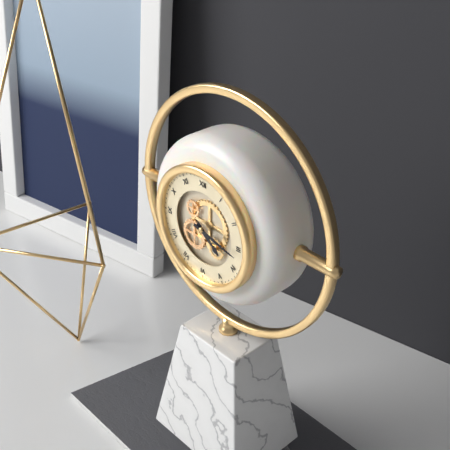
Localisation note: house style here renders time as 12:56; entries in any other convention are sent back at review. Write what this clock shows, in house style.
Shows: 4:17
